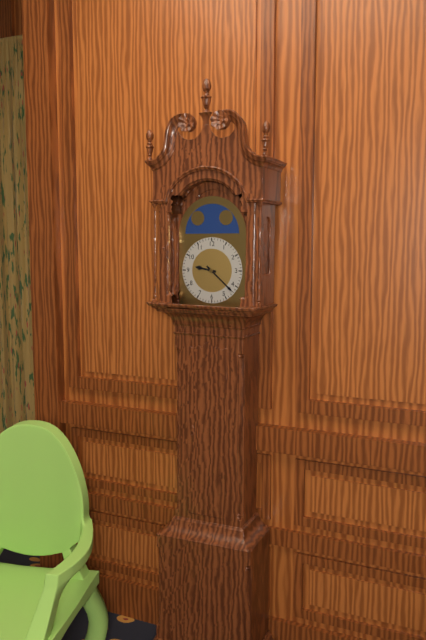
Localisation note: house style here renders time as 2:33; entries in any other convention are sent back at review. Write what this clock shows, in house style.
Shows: 9:22
